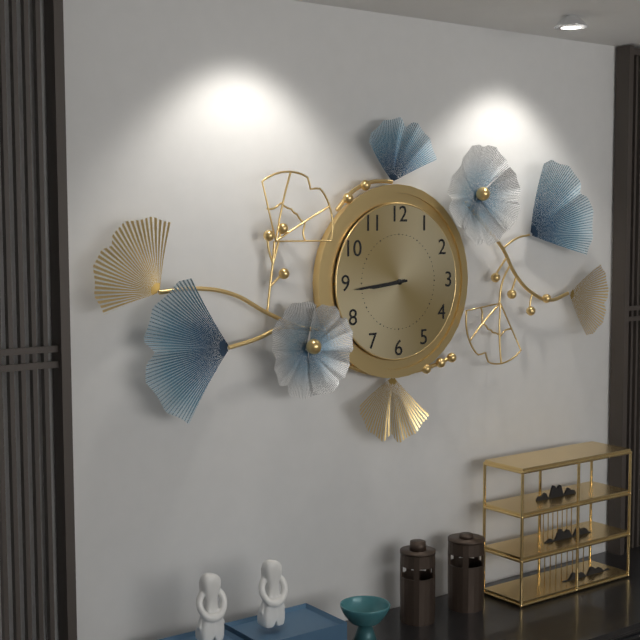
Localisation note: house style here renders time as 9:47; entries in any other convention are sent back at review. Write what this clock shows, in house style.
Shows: 8:44
